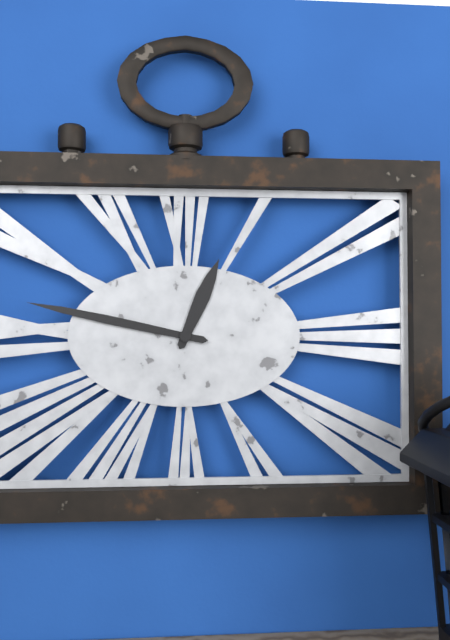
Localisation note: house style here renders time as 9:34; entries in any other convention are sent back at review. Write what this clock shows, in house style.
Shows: 12:47
